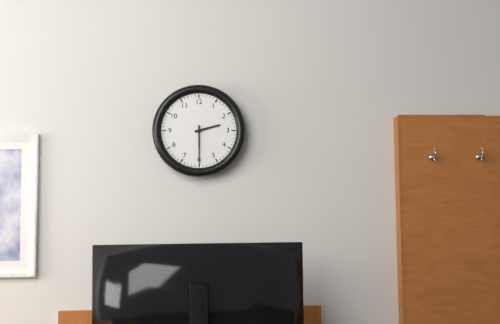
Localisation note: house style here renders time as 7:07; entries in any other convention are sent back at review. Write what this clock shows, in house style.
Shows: 2:30
